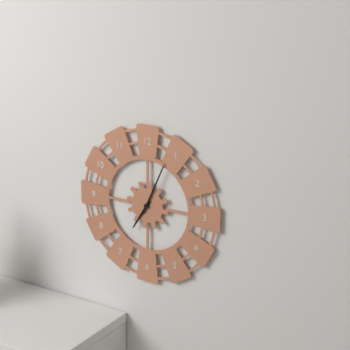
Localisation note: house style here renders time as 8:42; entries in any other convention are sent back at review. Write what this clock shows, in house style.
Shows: 7:04
